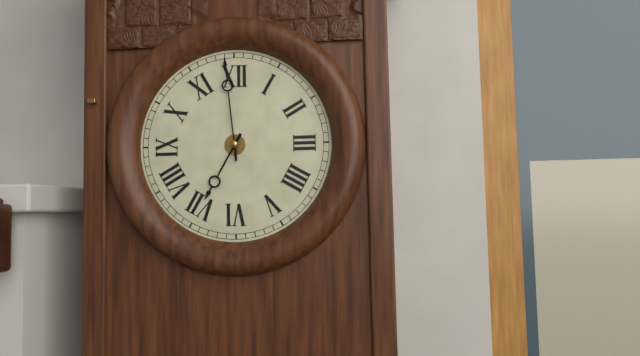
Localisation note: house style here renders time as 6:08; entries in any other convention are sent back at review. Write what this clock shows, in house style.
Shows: 6:59
